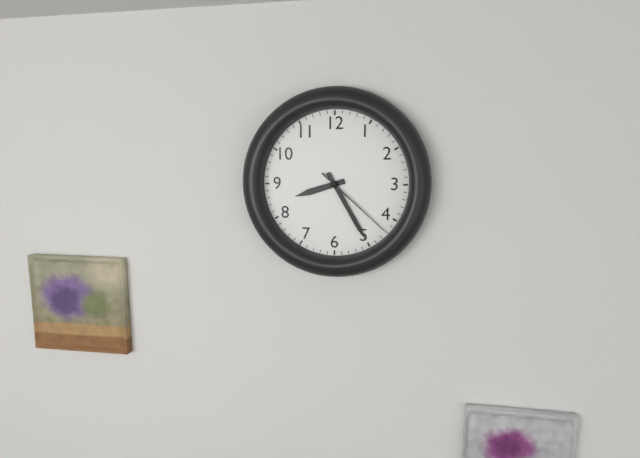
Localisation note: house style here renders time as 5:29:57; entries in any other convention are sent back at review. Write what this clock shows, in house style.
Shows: 8:25:22
